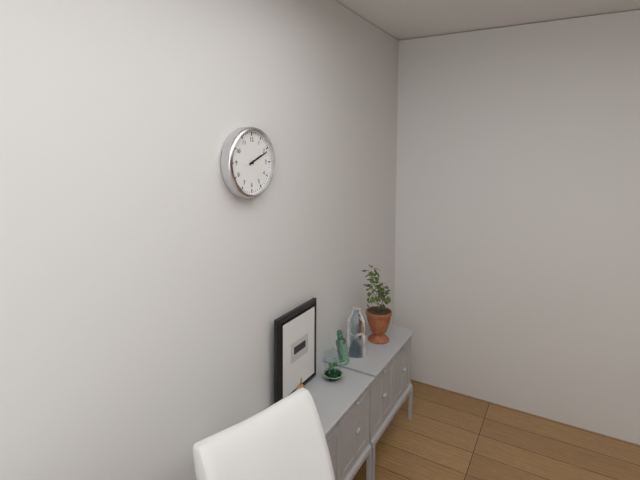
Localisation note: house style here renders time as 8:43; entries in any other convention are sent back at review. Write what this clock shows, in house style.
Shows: 2:11
